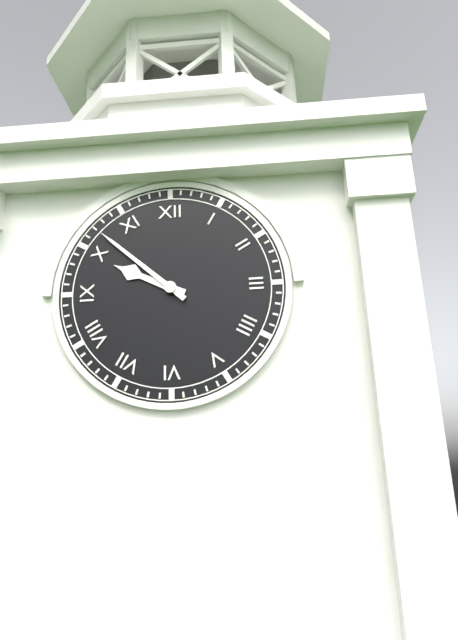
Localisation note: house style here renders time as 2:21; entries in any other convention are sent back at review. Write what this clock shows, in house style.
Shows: 9:52
